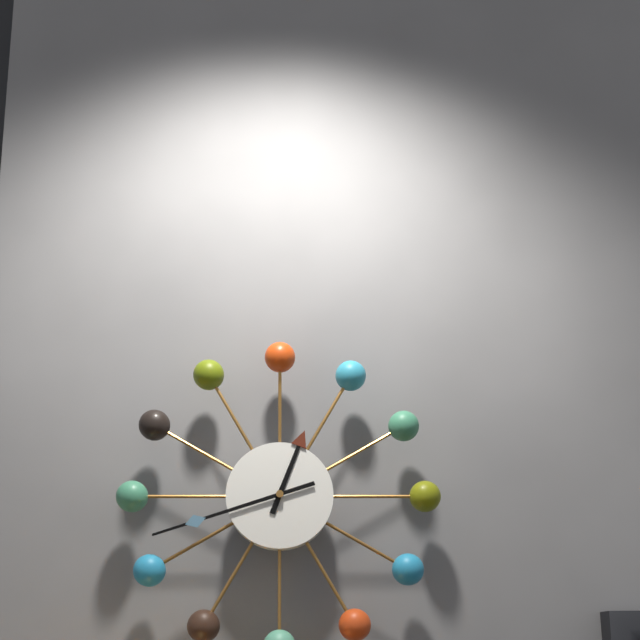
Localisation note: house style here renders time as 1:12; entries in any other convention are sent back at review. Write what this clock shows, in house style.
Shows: 12:42
